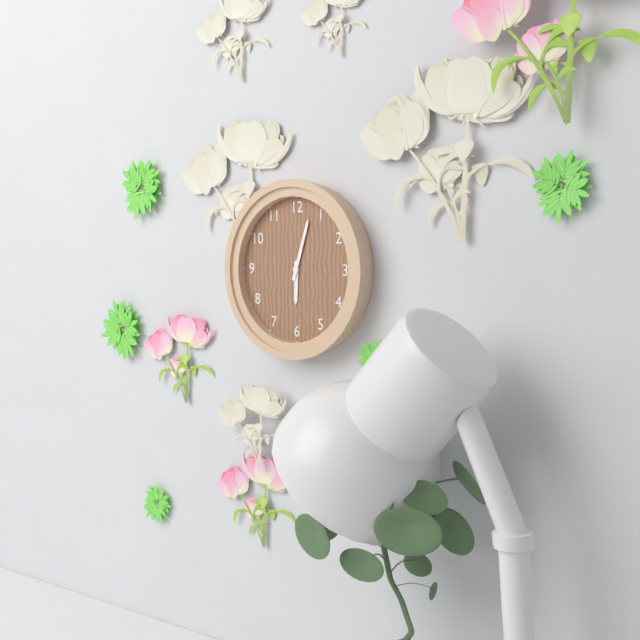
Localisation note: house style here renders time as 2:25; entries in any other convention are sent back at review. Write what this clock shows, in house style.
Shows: 6:03
